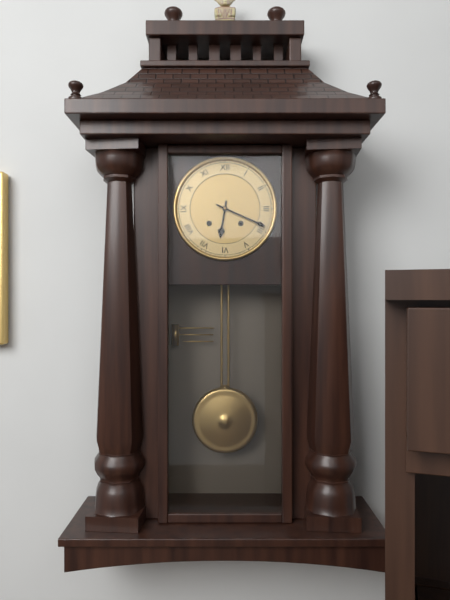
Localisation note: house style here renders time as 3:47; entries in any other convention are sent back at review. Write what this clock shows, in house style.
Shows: 6:19
